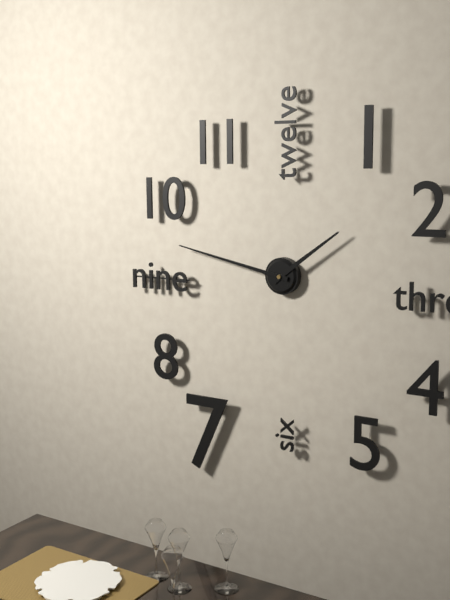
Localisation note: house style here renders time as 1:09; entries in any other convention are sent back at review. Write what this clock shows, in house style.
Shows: 1:47
